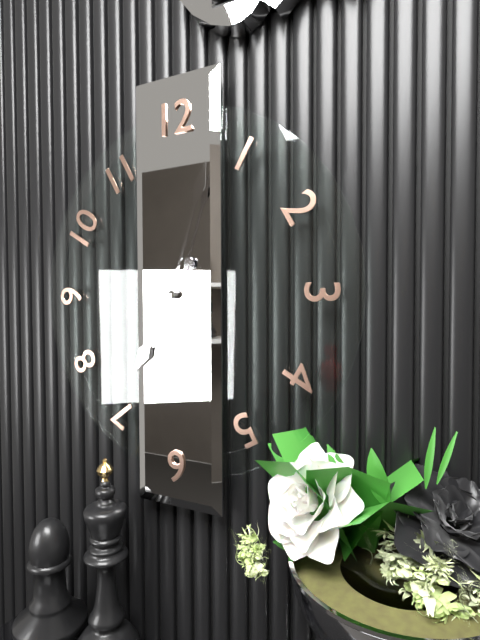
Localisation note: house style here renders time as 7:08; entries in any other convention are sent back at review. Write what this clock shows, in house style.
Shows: 7:03
